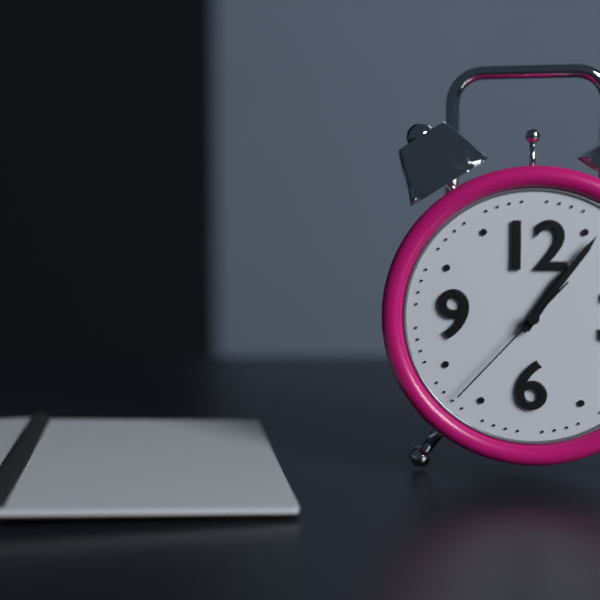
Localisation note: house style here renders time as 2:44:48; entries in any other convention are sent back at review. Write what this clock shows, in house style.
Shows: 1:06:37
